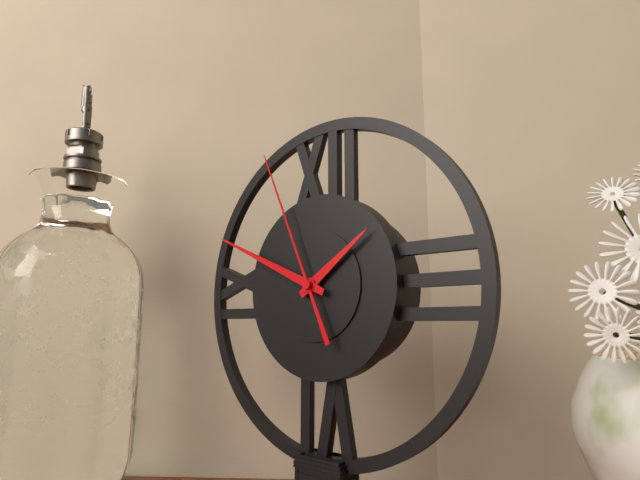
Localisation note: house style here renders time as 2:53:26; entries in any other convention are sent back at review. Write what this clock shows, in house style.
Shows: 1:49:56
